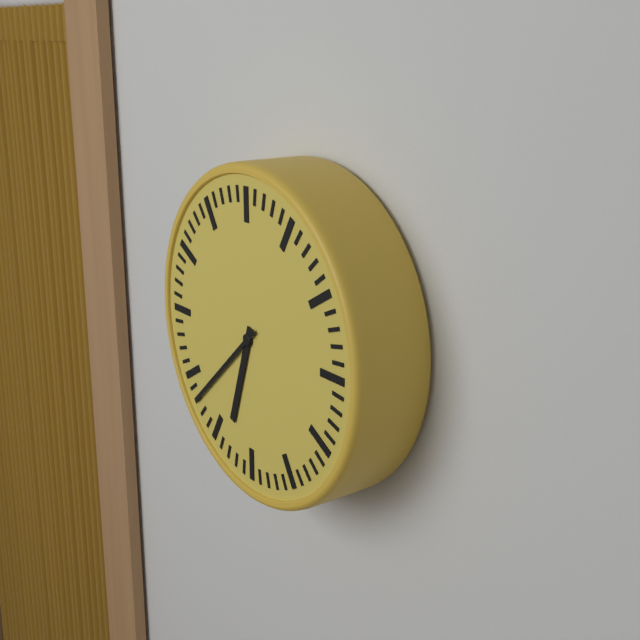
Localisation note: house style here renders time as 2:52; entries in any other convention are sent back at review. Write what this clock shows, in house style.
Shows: 6:38
